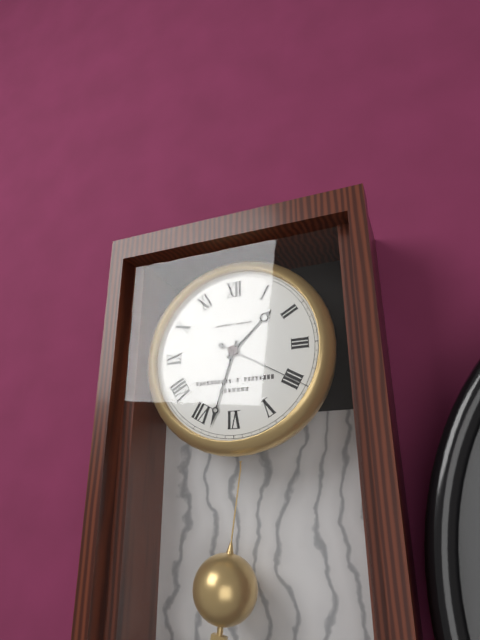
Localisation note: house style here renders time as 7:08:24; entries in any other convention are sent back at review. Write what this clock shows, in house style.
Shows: 1:33:20
